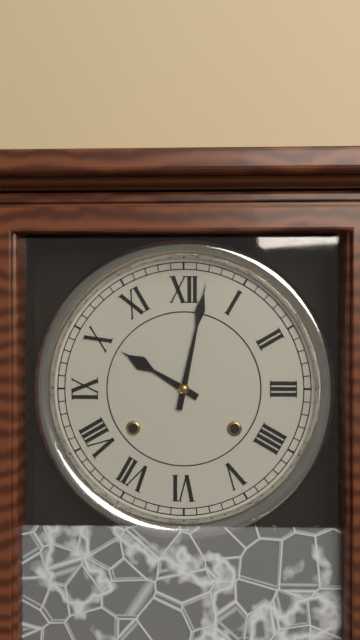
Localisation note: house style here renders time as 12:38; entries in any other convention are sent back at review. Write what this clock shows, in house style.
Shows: 10:02
